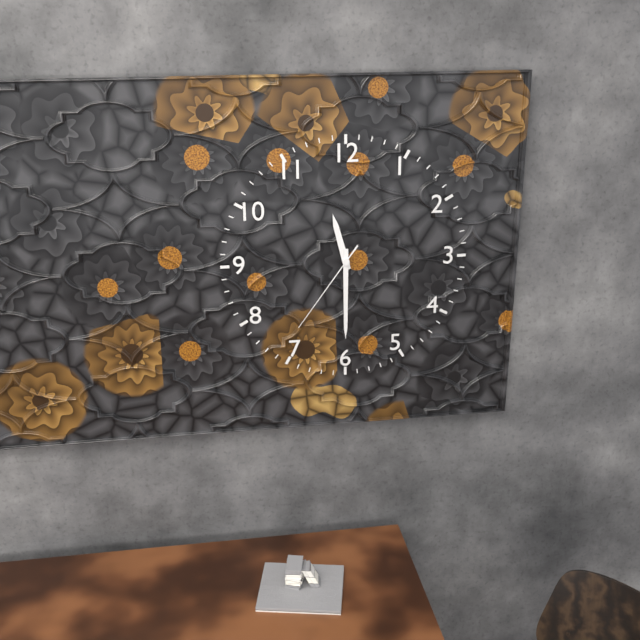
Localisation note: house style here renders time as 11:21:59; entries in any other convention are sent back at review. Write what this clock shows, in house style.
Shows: 11:30:36
